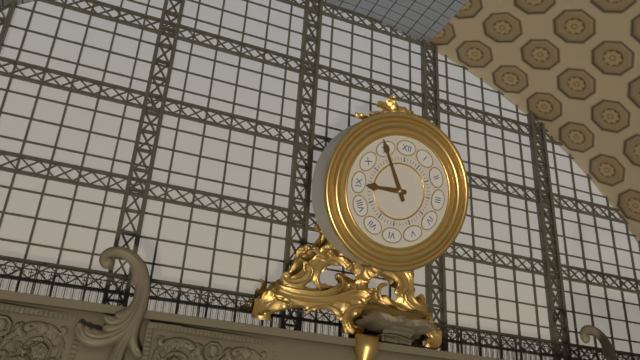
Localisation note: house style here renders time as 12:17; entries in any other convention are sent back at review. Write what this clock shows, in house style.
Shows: 8:55
